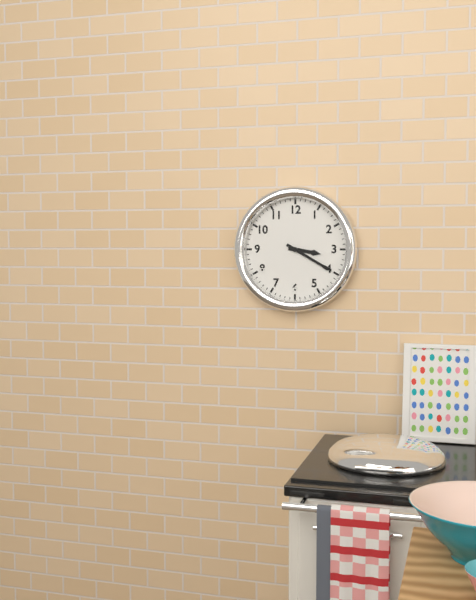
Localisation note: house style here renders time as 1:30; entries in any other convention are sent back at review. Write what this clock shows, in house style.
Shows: 3:20
